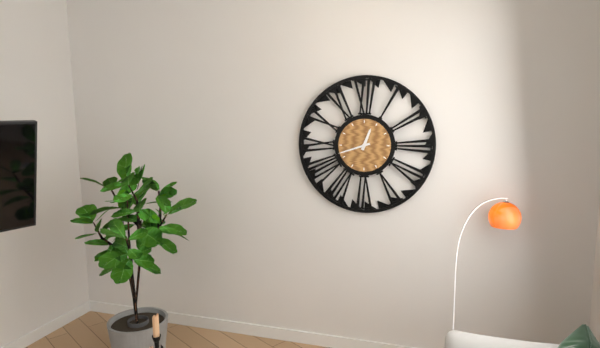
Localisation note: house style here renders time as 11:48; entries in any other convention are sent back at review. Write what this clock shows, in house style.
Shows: 12:42
